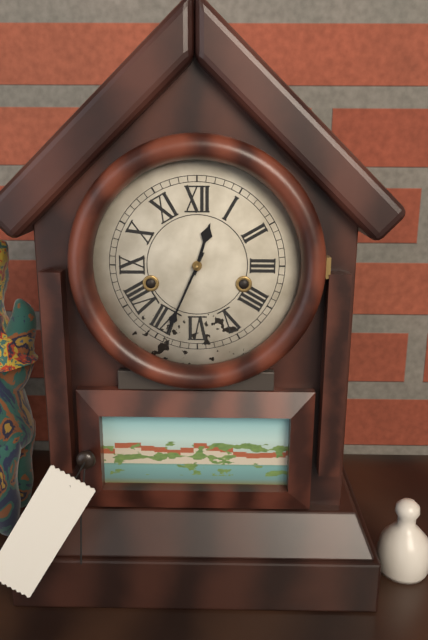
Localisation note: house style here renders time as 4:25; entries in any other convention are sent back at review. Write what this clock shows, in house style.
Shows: 12:34
